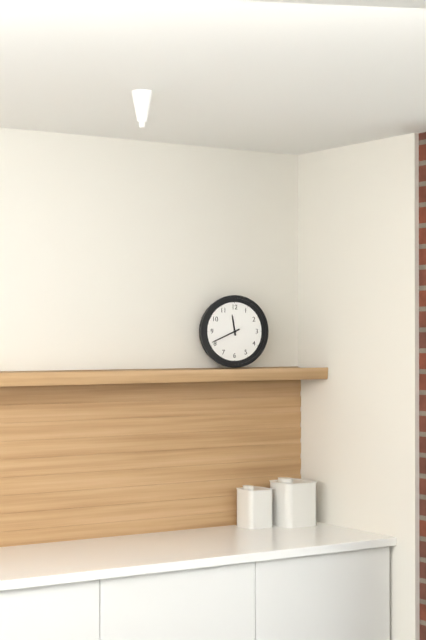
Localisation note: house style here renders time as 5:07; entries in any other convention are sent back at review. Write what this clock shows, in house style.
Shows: 11:41
